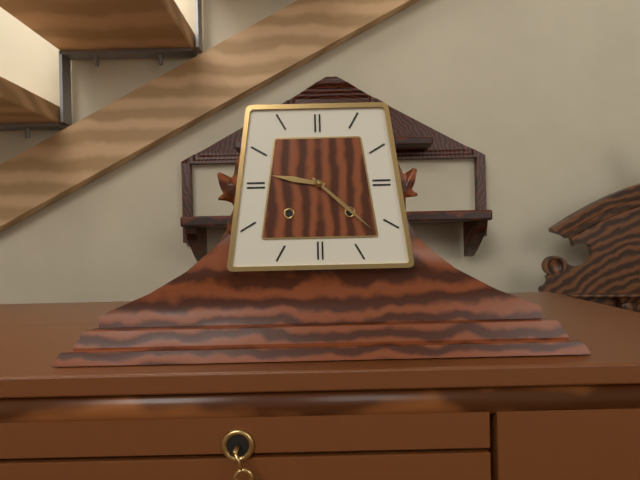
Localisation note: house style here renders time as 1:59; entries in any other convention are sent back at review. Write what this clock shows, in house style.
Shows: 9:22
